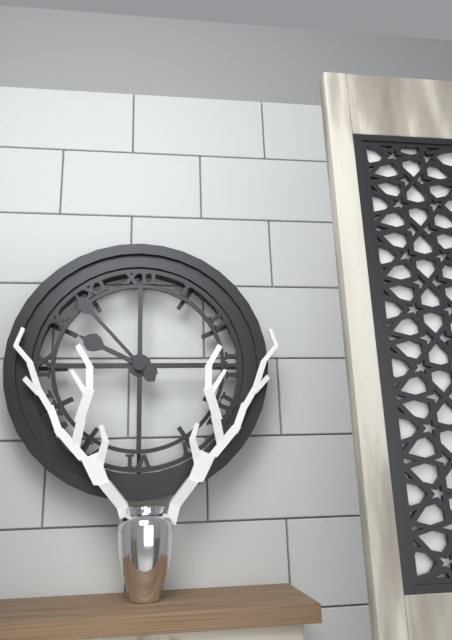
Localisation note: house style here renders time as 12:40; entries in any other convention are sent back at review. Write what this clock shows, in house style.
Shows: 9:53
